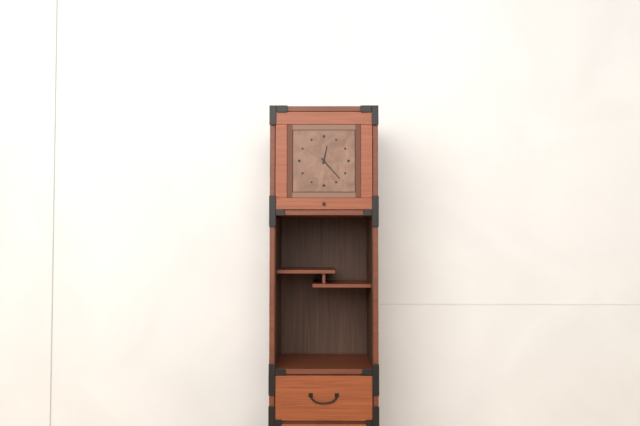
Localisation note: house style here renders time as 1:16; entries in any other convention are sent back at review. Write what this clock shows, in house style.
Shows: 12:23
